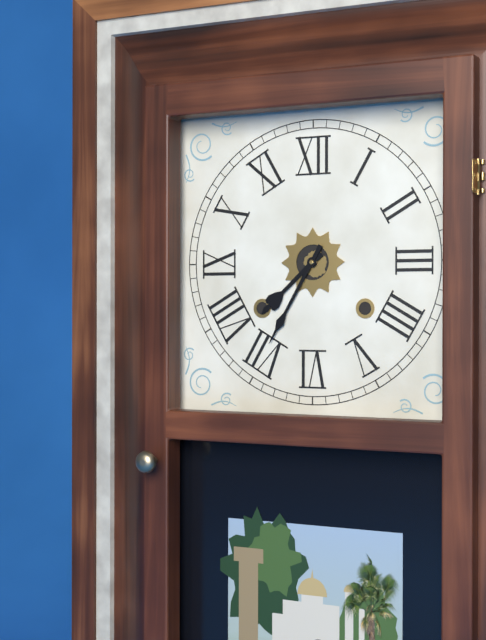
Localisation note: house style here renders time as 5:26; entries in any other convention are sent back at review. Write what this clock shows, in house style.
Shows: 7:35
